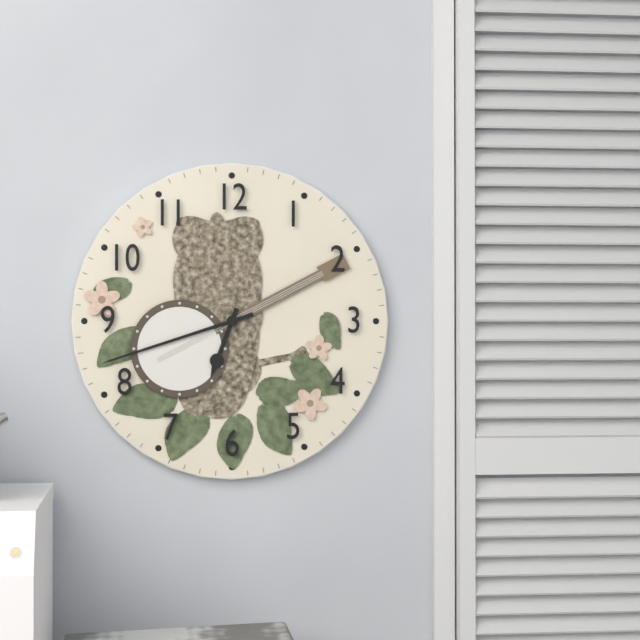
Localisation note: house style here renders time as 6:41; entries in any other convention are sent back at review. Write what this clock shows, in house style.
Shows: 6:42
